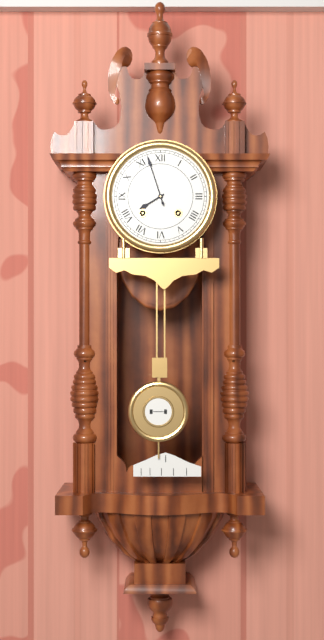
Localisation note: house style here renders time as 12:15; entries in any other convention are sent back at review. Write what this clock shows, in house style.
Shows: 7:57
